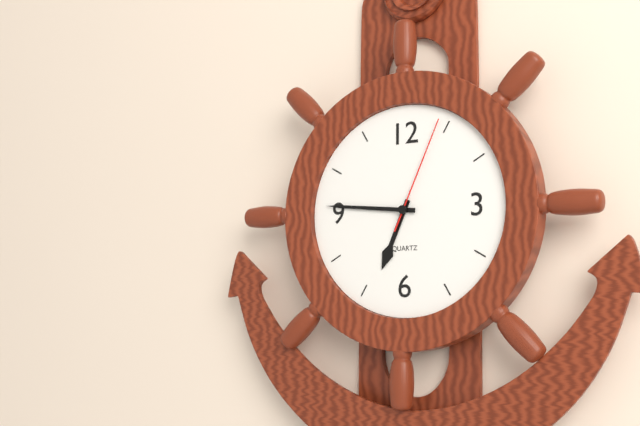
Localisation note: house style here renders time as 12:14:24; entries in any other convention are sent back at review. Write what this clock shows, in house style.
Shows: 6:46:04
